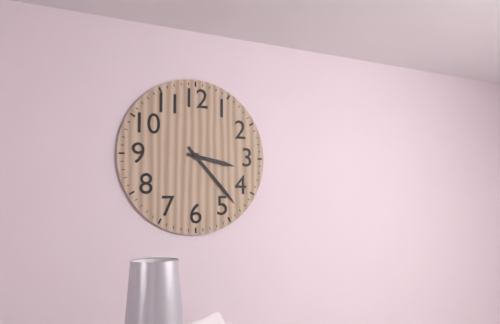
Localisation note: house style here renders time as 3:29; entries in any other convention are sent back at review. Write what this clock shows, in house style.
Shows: 3:23
